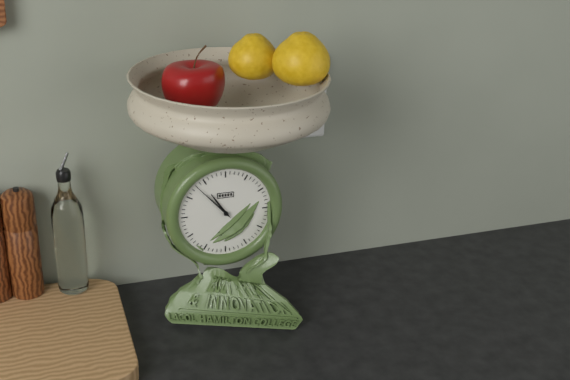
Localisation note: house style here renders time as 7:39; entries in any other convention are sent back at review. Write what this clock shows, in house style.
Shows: 10:53
